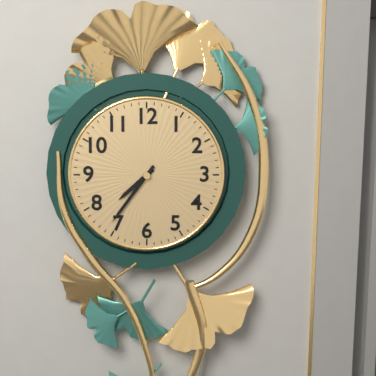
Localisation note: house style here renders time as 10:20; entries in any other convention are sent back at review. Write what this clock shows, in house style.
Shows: 7:36
